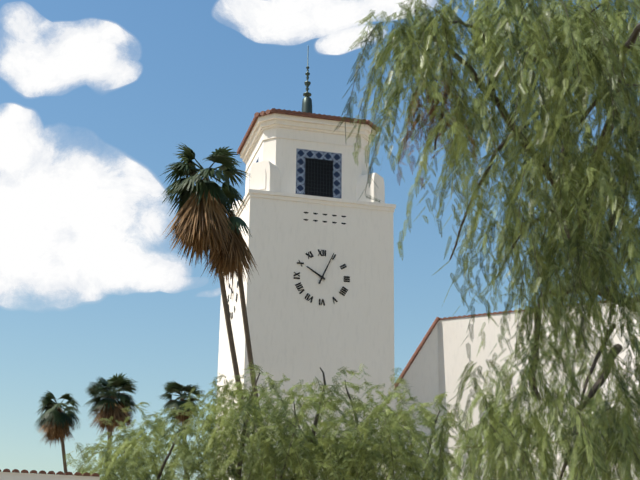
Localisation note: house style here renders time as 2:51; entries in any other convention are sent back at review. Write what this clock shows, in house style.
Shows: 10:04
